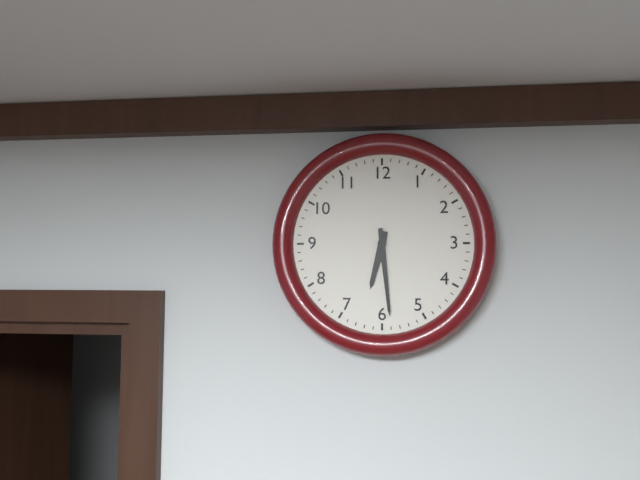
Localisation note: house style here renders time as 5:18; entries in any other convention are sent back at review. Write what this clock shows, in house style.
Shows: 6:29
